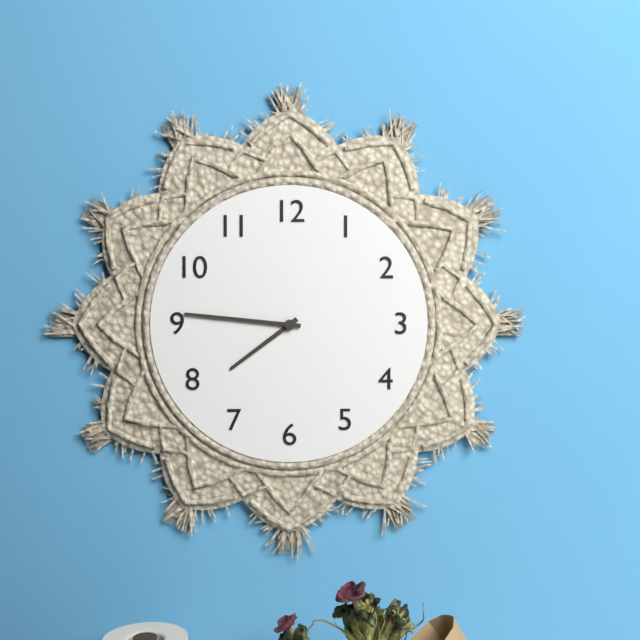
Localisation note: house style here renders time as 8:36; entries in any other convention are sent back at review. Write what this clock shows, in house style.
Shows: 7:46
